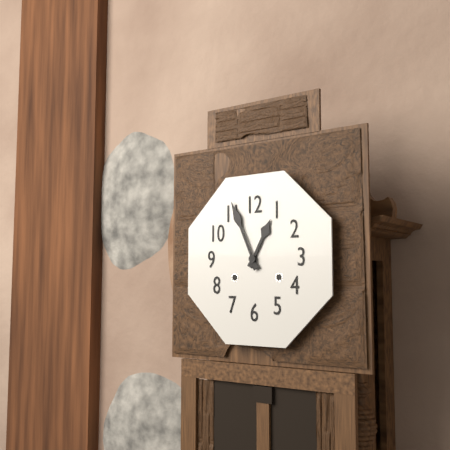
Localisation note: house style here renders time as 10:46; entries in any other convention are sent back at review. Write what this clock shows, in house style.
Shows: 12:56
